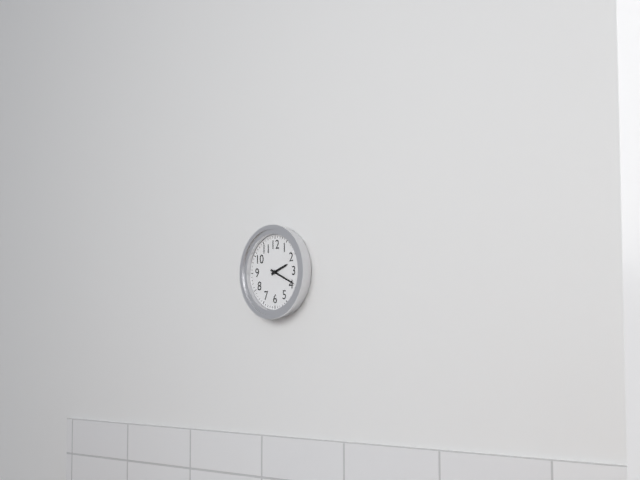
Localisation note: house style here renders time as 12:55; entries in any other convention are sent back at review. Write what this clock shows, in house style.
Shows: 2:19
